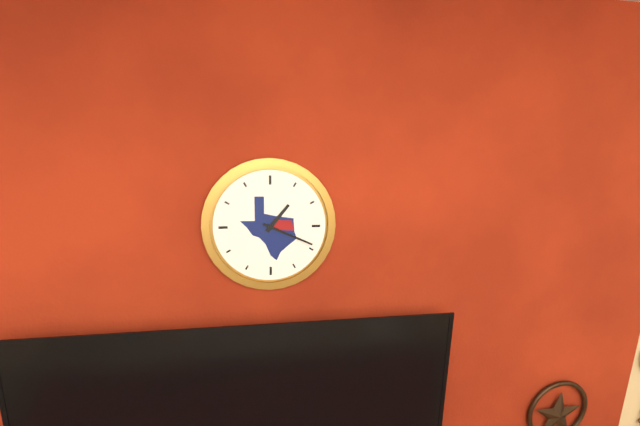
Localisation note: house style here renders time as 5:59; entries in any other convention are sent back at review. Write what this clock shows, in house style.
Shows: 1:19
